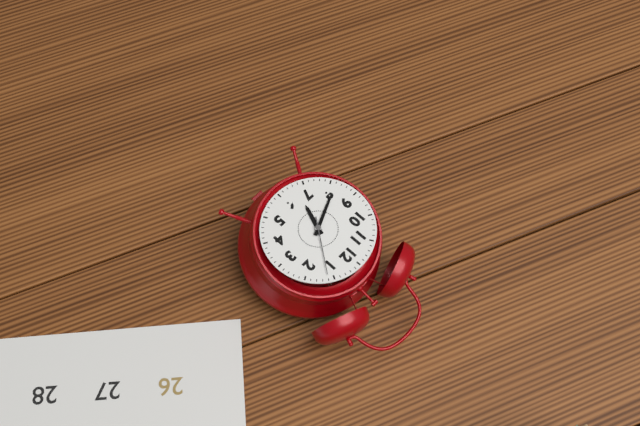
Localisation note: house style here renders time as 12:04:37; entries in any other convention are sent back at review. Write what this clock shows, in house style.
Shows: 6:41:06
